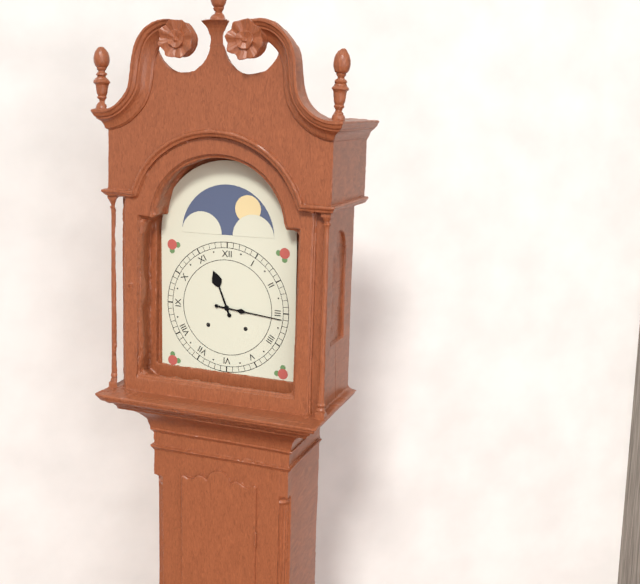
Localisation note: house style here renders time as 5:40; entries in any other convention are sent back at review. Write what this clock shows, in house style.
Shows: 11:16
